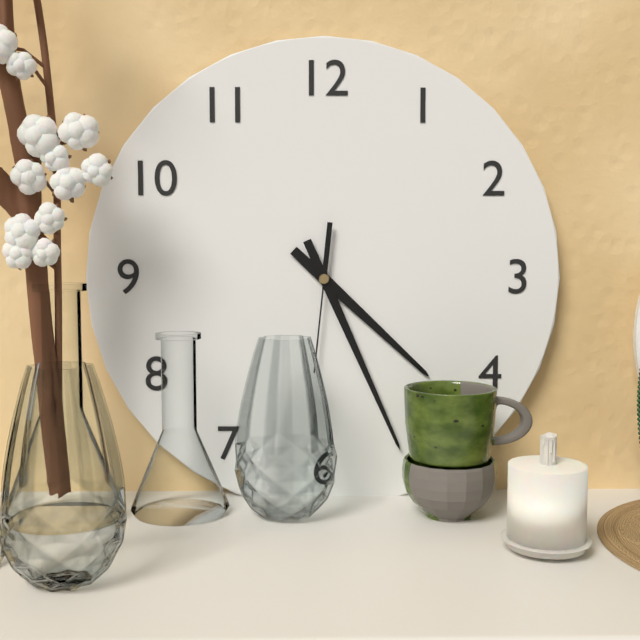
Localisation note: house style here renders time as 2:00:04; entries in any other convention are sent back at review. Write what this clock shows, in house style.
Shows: 4:26:31
